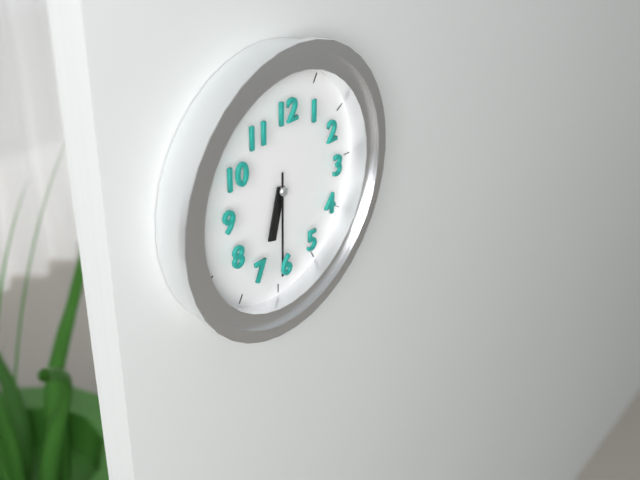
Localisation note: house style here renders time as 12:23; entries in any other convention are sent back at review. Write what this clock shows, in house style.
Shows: 6:30
